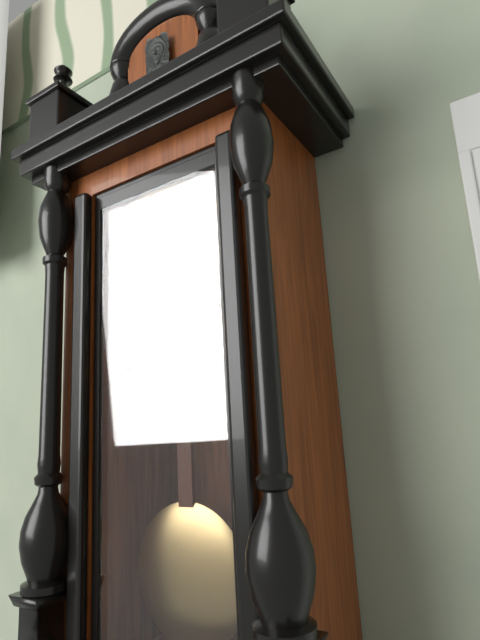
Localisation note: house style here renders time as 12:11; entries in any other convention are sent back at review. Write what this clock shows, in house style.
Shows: 6:35
